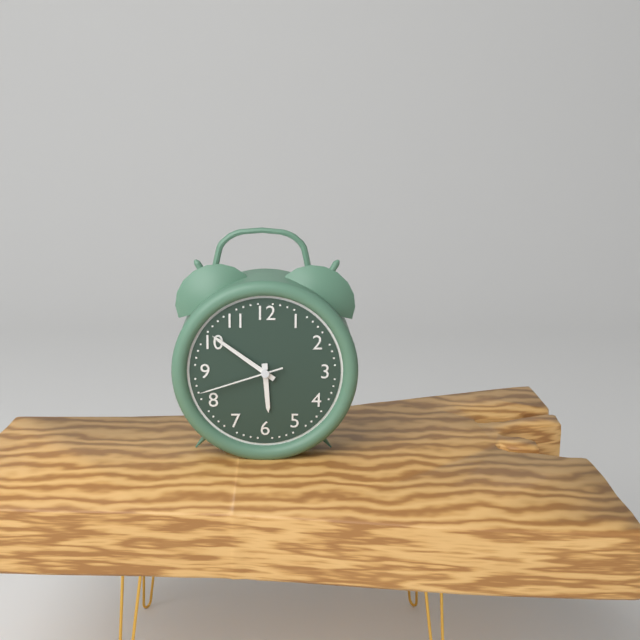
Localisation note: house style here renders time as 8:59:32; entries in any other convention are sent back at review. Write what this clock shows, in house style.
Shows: 5:51:42
